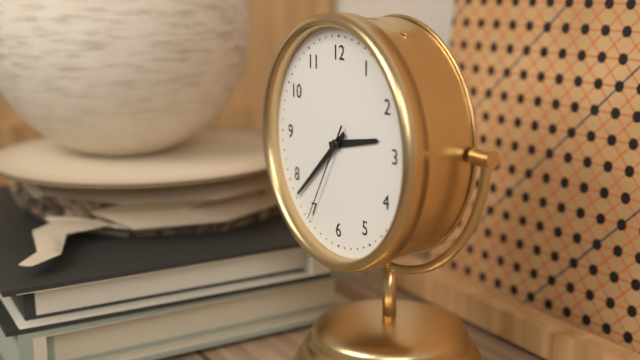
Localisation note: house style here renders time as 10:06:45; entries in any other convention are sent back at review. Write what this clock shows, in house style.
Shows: 2:38:35
